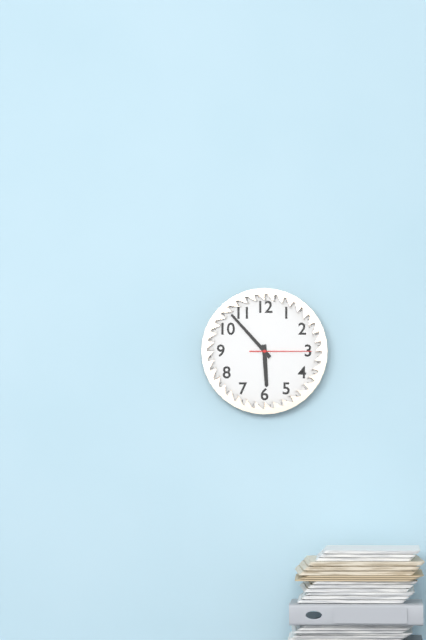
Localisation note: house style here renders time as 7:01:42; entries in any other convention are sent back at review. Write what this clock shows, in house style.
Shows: 5:53:15
